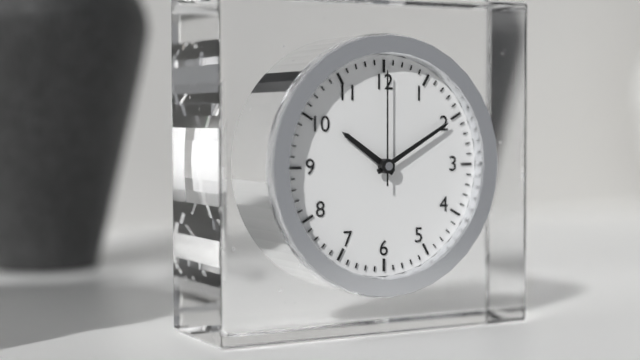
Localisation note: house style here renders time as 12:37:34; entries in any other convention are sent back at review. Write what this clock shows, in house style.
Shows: 10:10:00
